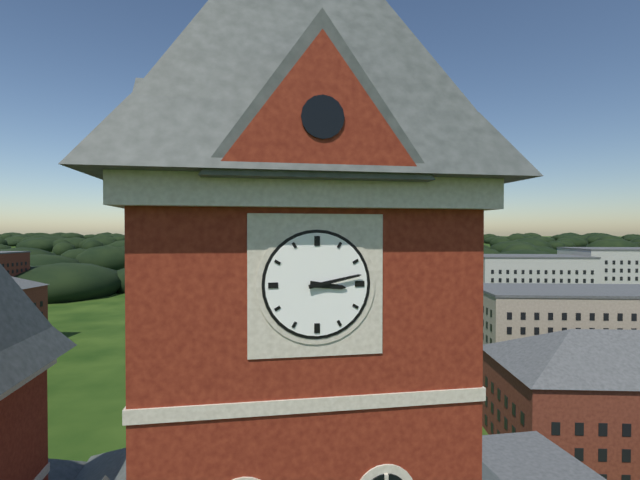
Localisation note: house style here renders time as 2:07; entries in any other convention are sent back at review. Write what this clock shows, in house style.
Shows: 3:13
